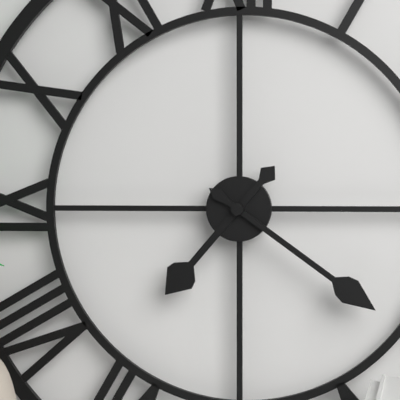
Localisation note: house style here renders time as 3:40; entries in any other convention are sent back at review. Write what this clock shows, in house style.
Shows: 7:21
